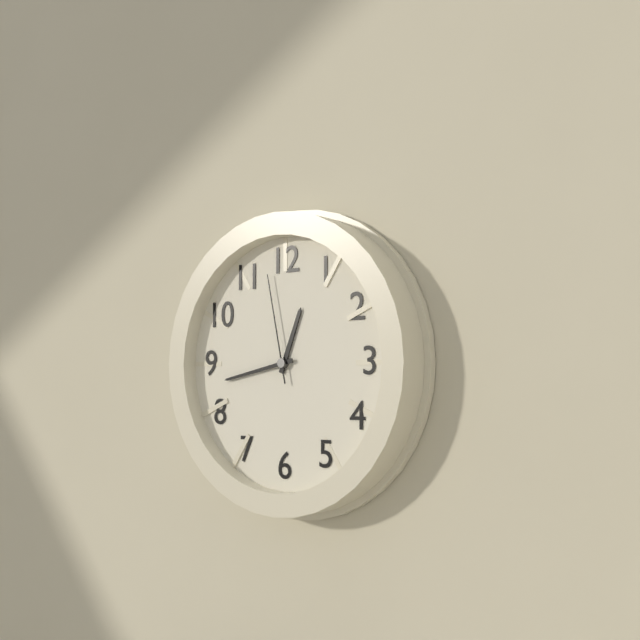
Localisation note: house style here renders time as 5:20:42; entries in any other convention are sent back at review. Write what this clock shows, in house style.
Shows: 12:43:58
